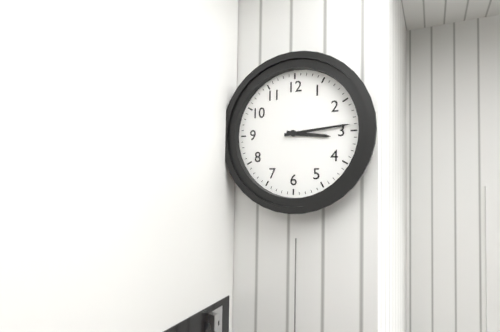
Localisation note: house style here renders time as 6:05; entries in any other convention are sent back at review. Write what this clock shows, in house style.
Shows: 3:14
